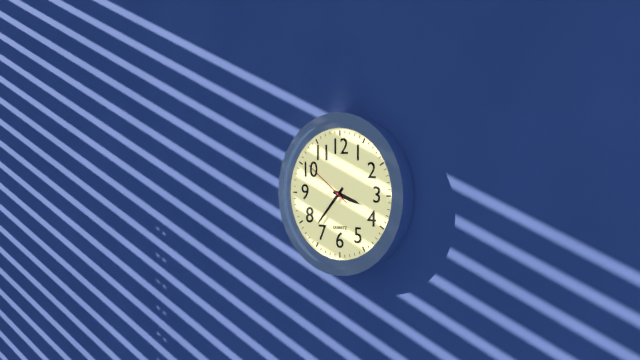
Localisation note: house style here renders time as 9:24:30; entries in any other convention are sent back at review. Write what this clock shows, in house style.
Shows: 3:37:51
